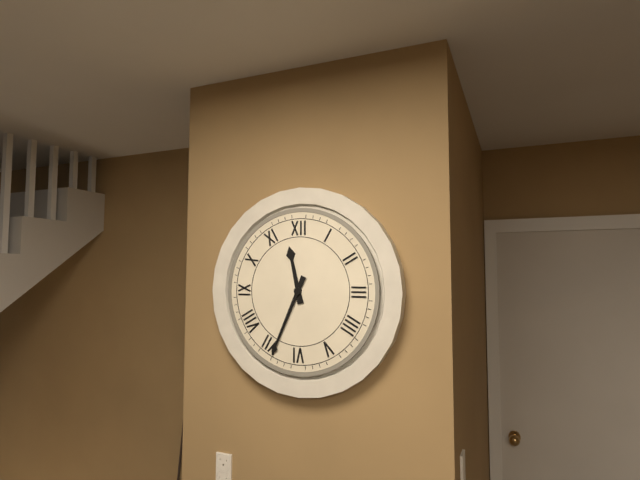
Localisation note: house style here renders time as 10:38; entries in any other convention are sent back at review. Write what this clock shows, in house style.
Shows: 11:34
